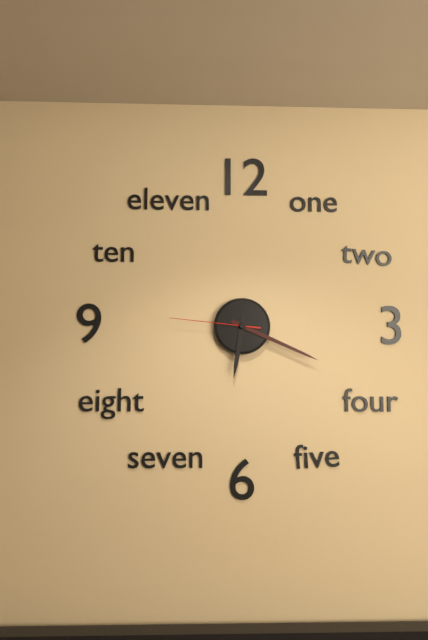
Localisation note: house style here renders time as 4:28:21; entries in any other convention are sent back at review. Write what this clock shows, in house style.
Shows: 6:19:46
